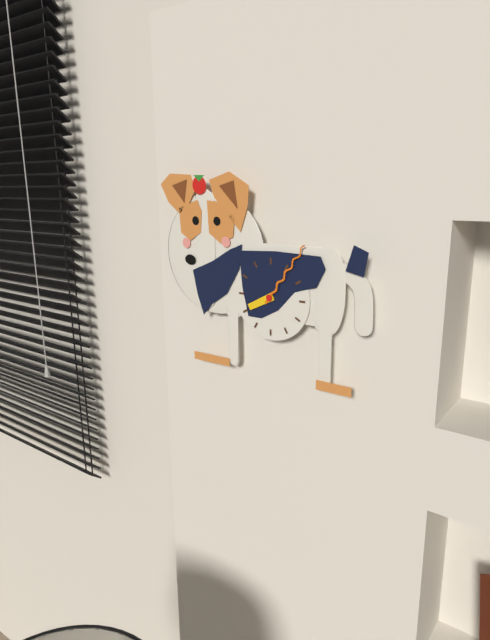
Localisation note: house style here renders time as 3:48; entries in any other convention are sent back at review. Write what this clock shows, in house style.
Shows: 8:06
